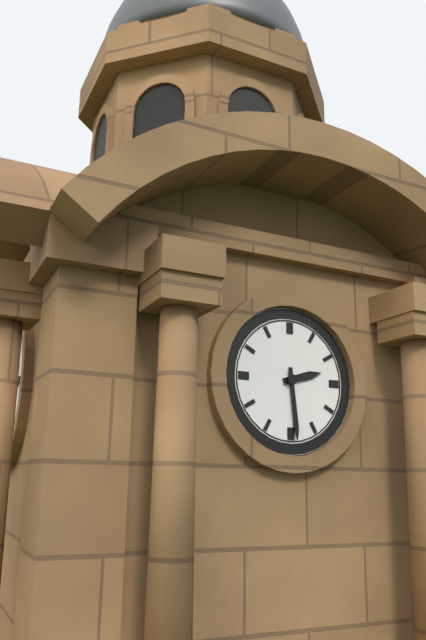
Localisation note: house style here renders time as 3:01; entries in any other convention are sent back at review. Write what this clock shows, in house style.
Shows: 2:29
